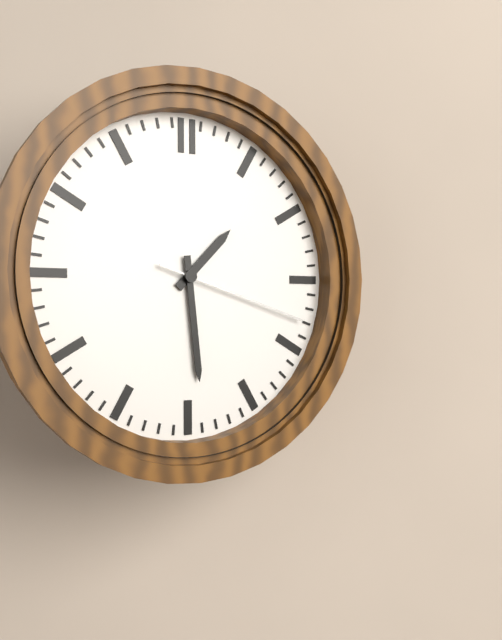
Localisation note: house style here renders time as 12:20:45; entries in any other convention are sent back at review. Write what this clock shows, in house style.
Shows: 1:29:18
